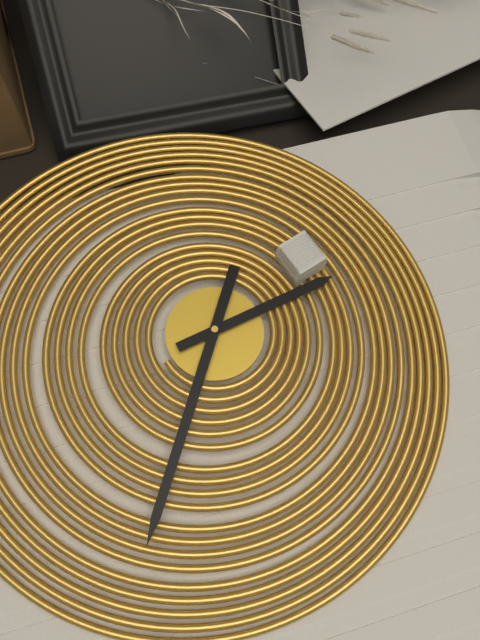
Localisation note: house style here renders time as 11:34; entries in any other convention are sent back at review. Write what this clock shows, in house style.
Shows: 2:35
